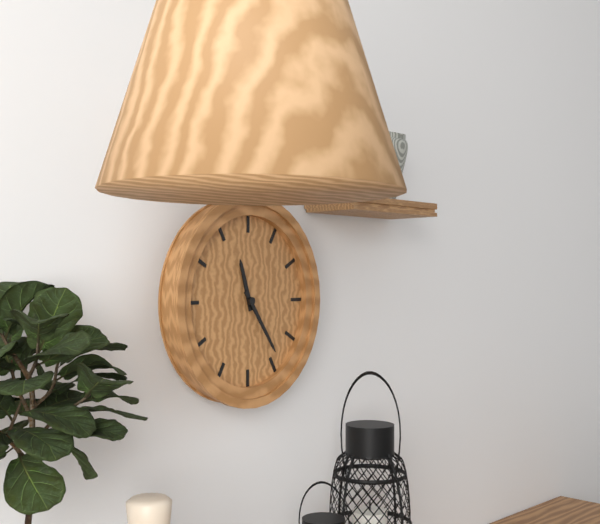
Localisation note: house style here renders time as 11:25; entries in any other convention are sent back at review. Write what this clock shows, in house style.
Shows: 11:24
